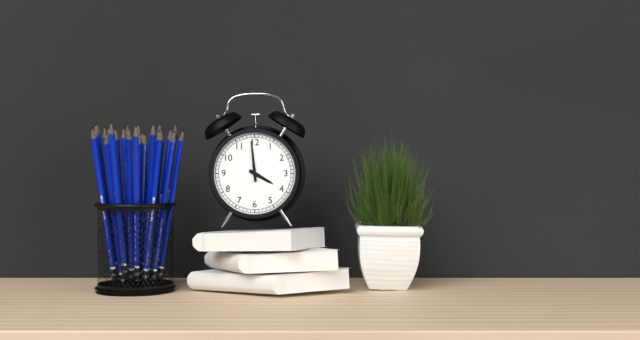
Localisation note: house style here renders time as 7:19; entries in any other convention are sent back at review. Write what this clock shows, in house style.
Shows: 3:59
